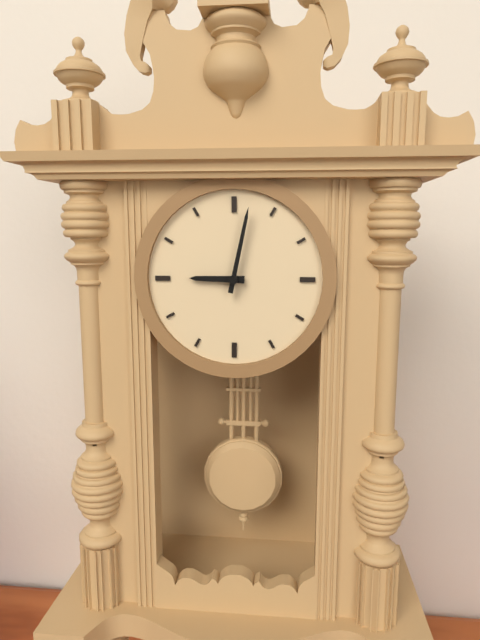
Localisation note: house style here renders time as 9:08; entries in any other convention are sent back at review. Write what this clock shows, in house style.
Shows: 9:02
